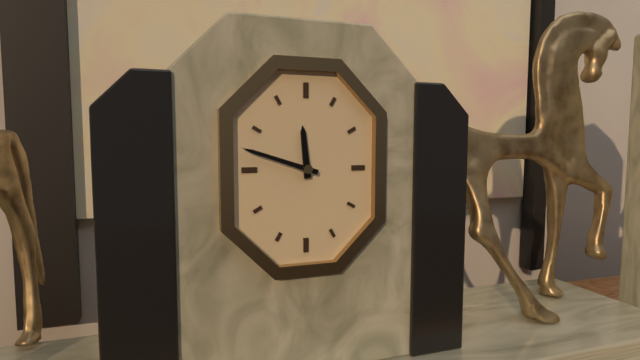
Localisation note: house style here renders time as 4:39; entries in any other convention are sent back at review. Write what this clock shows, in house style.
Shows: 11:48
